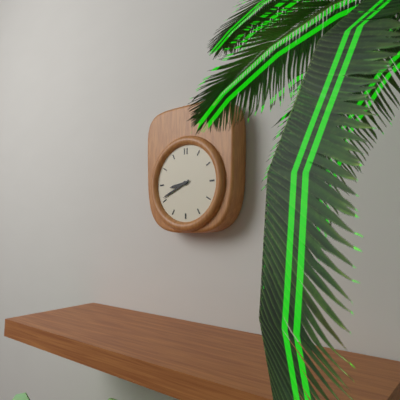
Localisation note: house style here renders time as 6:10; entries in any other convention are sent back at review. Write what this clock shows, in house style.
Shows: 8:41
